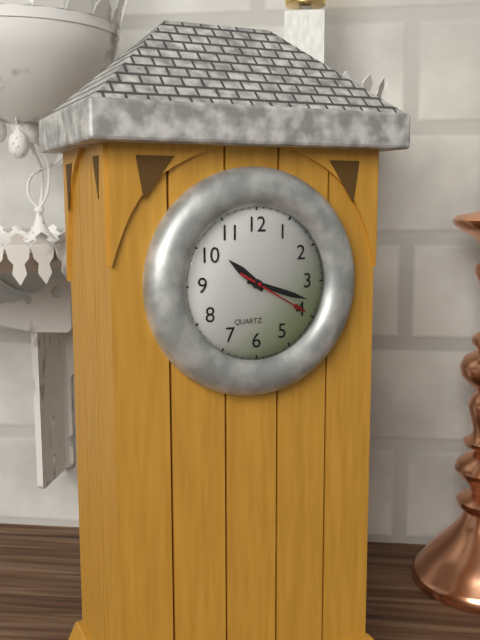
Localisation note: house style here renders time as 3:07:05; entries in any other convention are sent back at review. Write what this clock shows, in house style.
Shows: 10:18:20
